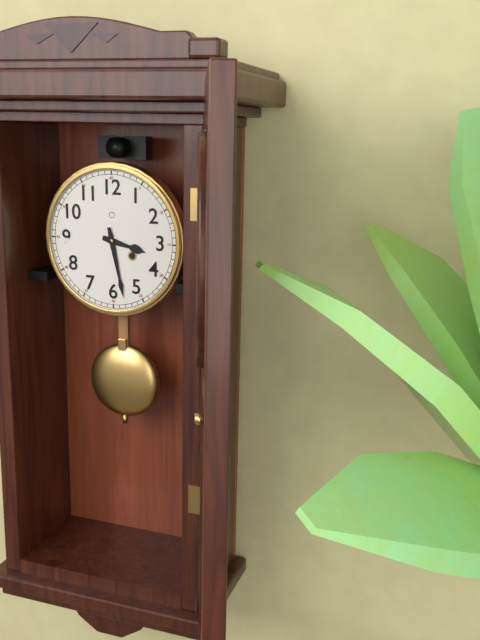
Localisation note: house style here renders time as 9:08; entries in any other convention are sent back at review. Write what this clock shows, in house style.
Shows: 3:28
